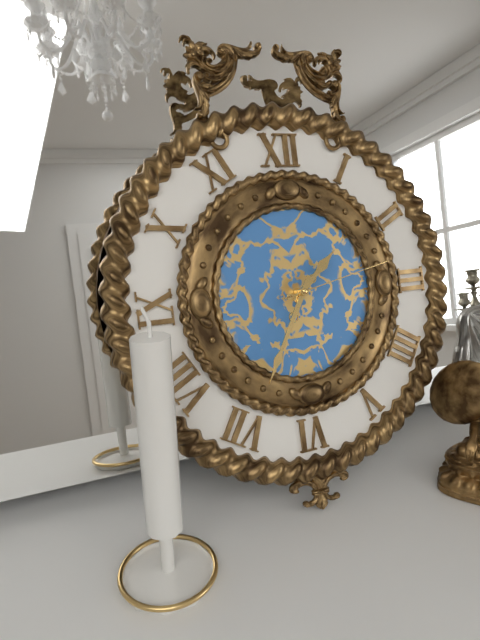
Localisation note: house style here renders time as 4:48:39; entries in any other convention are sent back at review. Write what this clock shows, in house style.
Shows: 1:35:13
